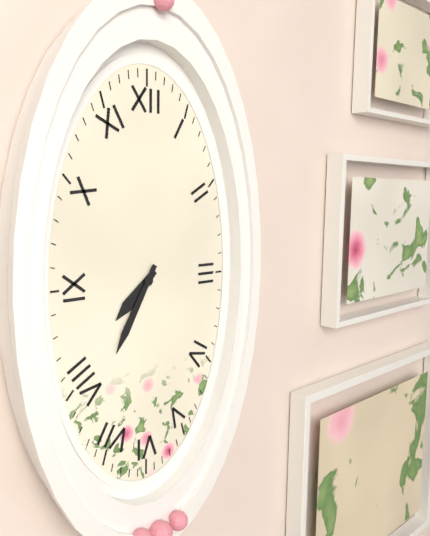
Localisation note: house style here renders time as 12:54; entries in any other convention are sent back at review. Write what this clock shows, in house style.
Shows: 7:35
